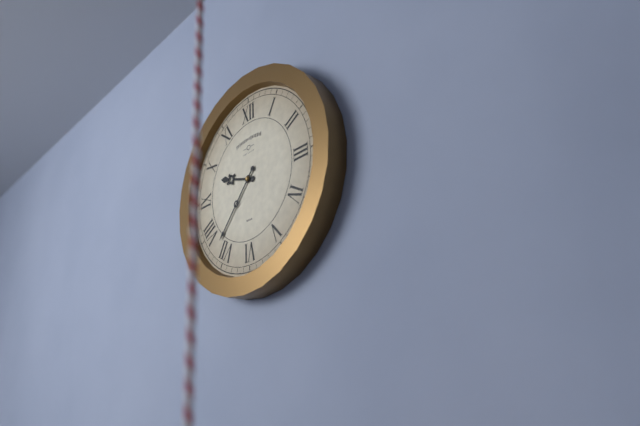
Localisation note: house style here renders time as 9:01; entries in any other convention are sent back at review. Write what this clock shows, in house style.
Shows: 9:37
